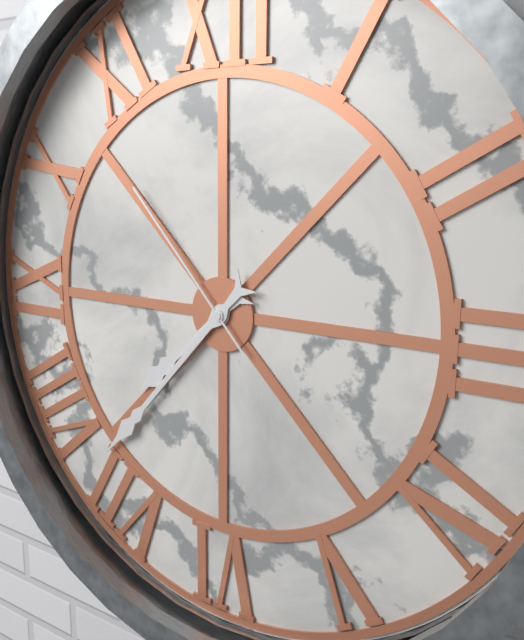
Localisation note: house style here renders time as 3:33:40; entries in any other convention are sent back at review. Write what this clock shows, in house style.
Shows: 7:37:53
